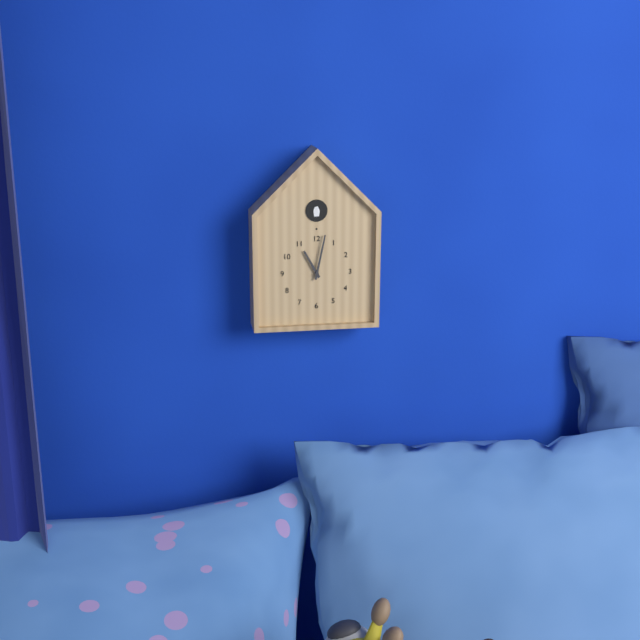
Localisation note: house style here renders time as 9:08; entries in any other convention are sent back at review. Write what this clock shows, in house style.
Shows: 11:02
